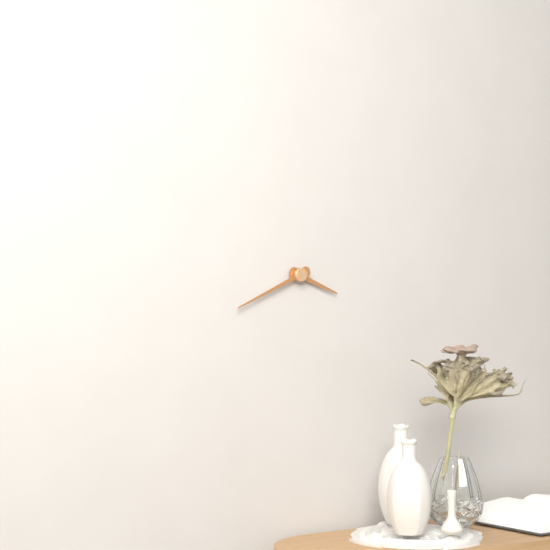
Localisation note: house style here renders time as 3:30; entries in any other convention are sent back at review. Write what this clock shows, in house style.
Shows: 3:41
